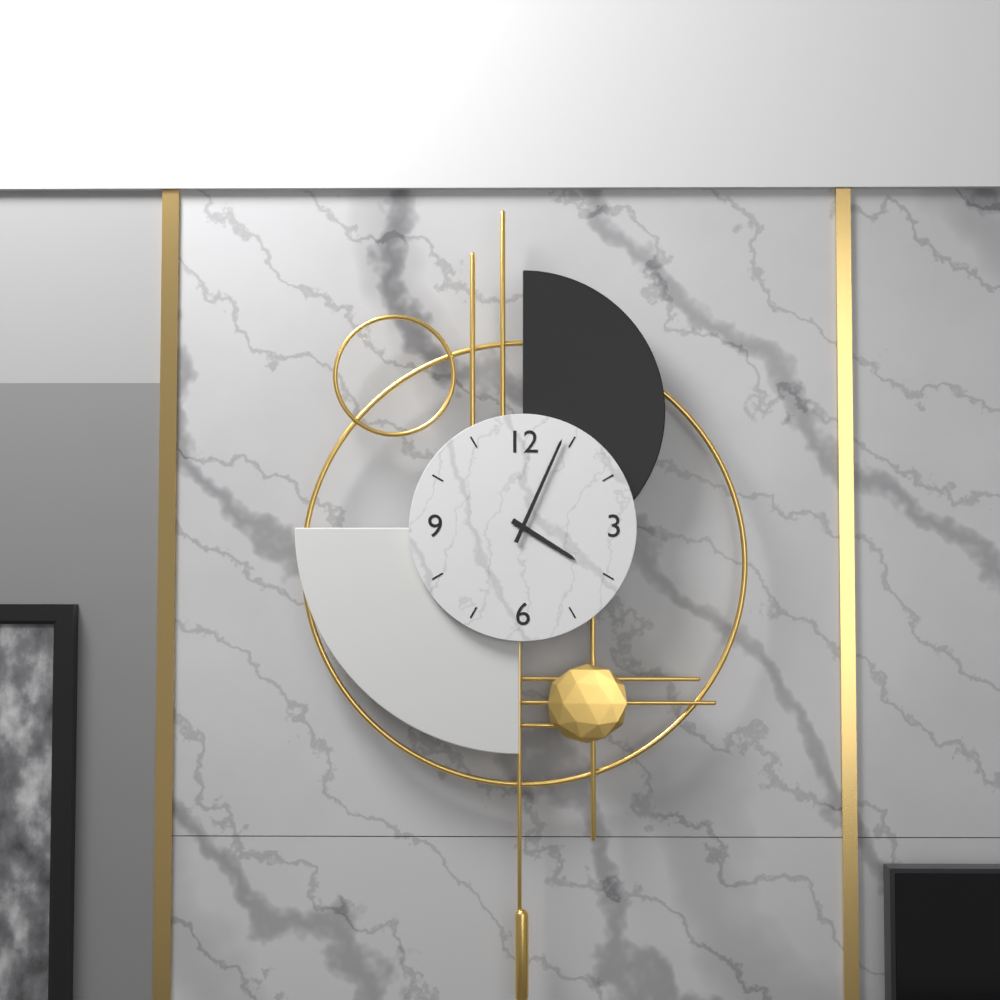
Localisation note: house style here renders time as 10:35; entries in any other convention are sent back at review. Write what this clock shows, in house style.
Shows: 4:04
